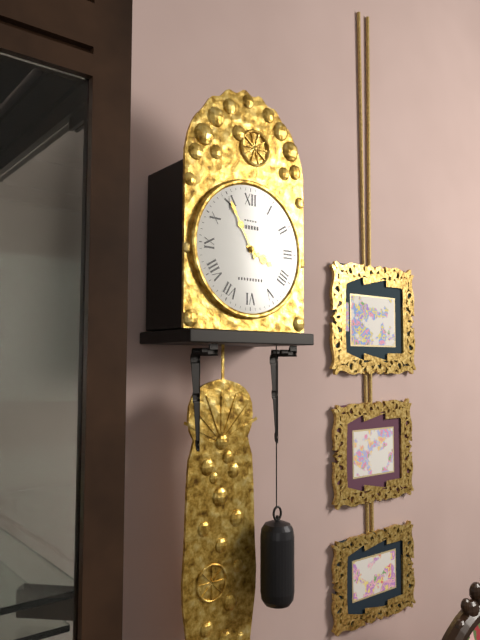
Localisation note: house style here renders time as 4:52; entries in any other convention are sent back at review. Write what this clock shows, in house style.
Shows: 3:55
